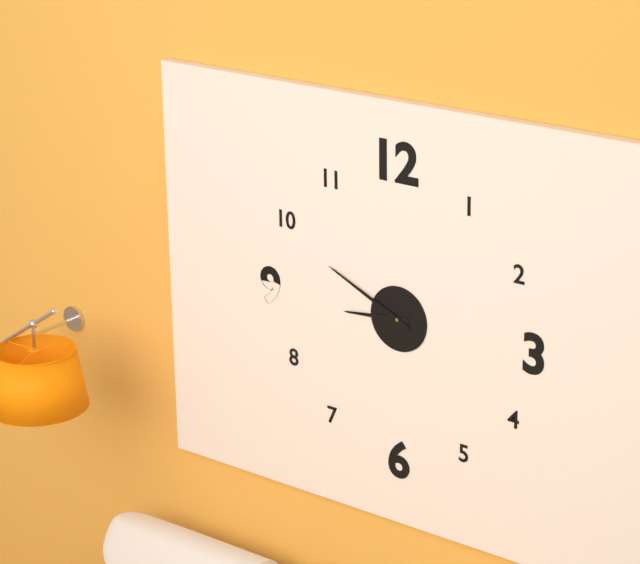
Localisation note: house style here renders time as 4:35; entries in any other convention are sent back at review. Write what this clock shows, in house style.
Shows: 8:49
